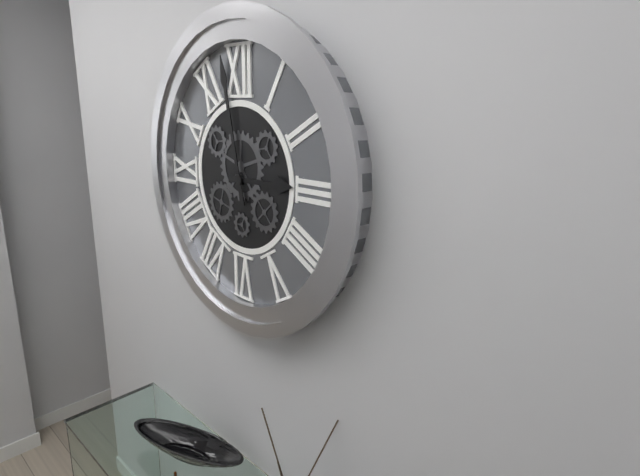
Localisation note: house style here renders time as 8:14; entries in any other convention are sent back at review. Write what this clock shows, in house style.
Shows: 2:58
